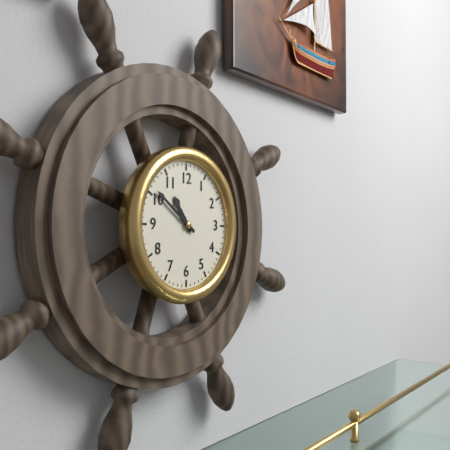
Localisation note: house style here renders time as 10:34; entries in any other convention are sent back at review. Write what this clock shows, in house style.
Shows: 10:51
